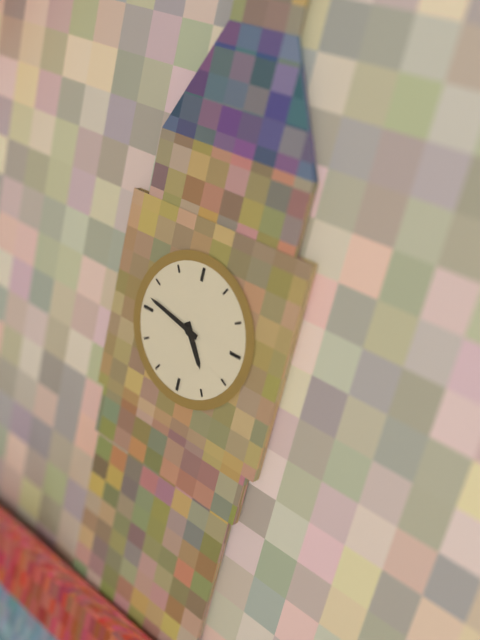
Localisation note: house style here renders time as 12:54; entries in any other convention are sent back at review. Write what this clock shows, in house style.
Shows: 4:47
